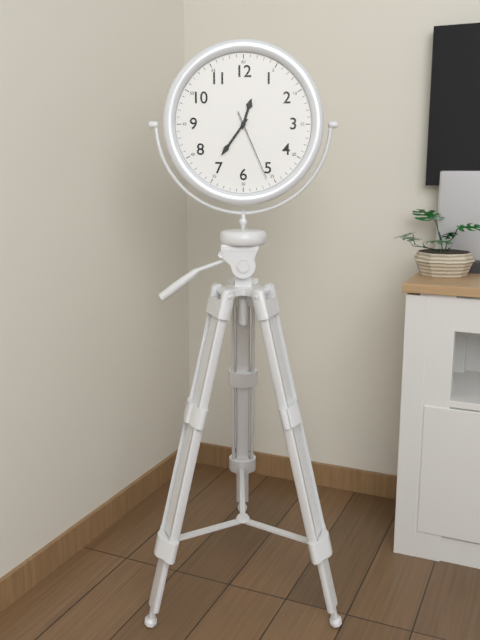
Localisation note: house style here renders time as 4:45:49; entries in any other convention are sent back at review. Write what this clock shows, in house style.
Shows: 12:36:26
